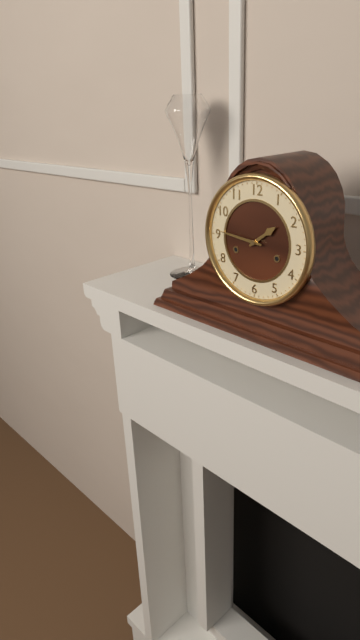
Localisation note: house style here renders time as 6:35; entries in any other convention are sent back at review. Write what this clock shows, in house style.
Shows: 1:46
